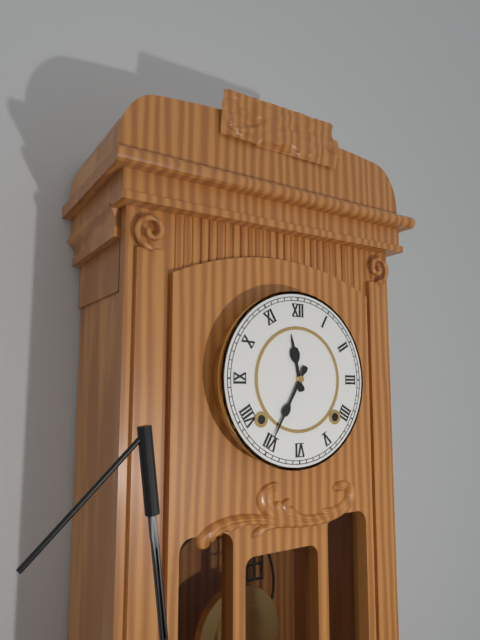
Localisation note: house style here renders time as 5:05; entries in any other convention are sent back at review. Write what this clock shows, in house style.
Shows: 11:35
